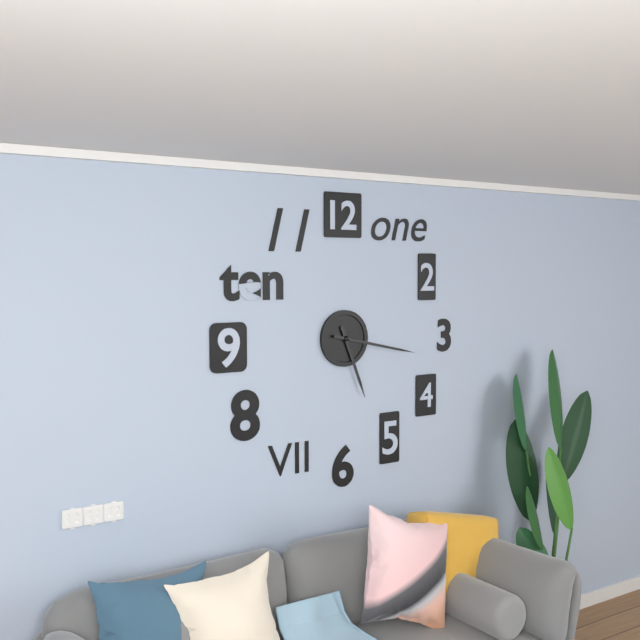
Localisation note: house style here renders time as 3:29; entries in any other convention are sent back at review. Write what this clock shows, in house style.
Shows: 5:17
